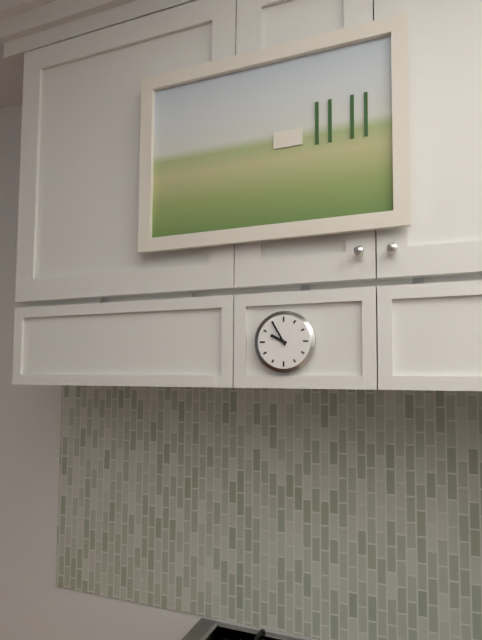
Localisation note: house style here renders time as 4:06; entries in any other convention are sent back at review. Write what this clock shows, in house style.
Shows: 9:55
